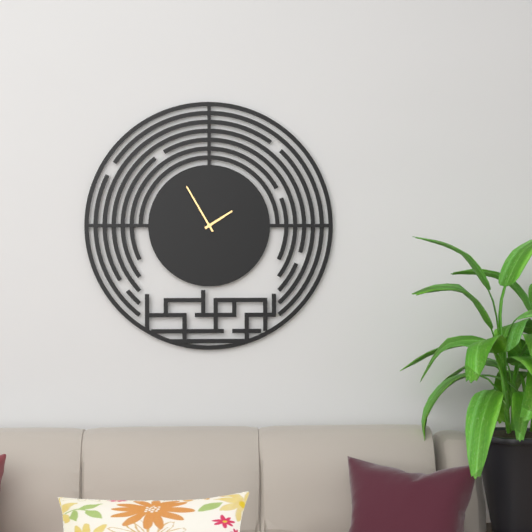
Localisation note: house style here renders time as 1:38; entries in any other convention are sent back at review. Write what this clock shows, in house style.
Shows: 1:55
